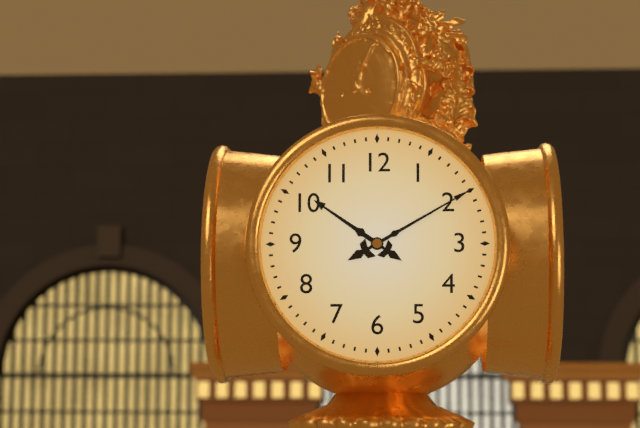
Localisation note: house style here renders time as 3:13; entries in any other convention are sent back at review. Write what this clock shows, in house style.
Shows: 10:10
